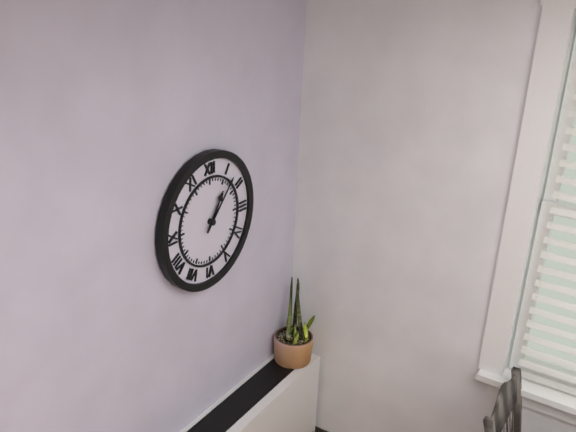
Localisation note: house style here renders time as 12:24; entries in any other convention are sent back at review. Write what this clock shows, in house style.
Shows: 1:07
